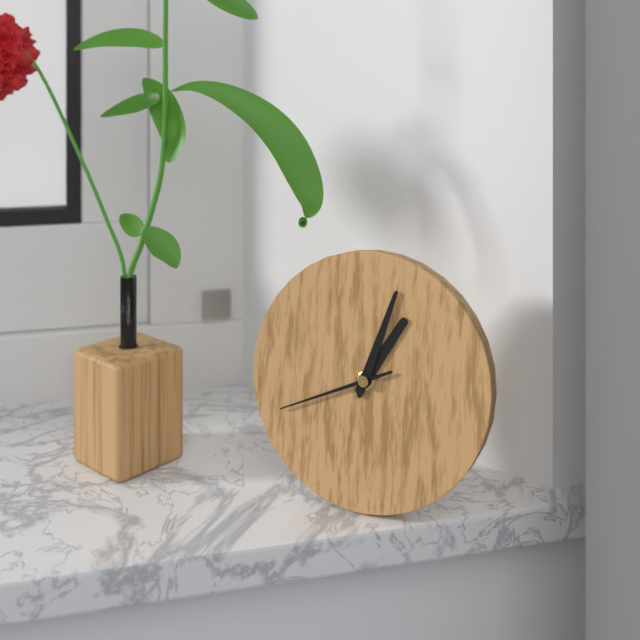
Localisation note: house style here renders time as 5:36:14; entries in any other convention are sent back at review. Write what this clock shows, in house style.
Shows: 1:03:41
